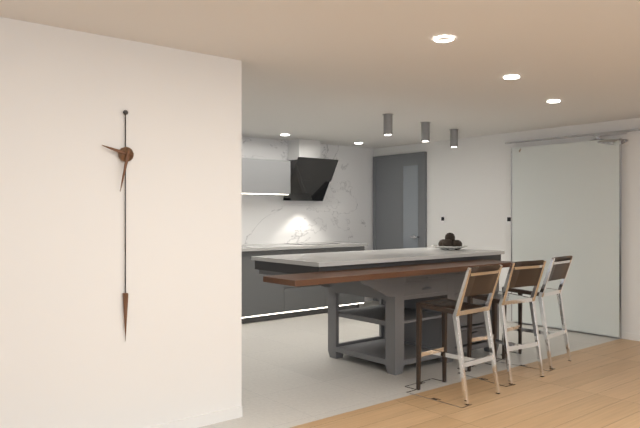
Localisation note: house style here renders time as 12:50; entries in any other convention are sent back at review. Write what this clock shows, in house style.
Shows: 9:32
